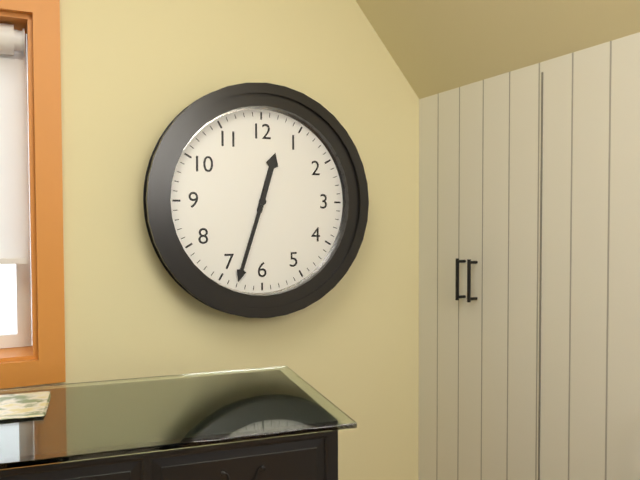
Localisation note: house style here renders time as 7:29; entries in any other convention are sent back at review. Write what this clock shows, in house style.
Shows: 12:33
